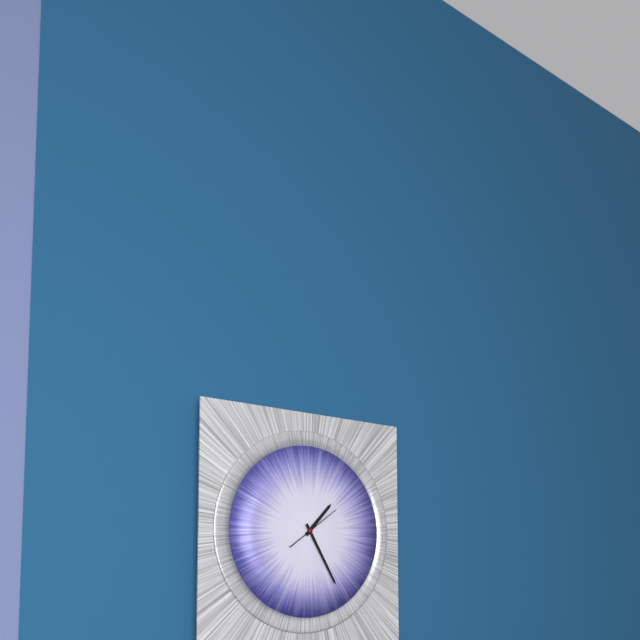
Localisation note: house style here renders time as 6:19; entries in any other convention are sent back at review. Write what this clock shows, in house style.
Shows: 1:25
